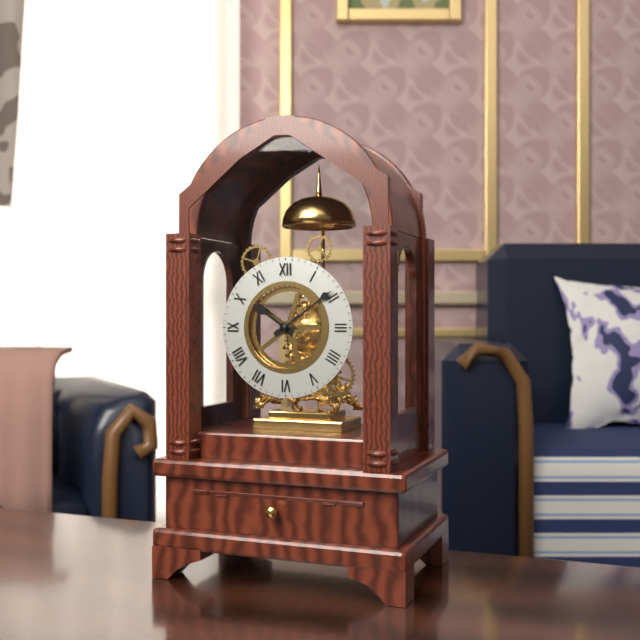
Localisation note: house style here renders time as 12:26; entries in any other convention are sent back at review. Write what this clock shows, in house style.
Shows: 10:09
